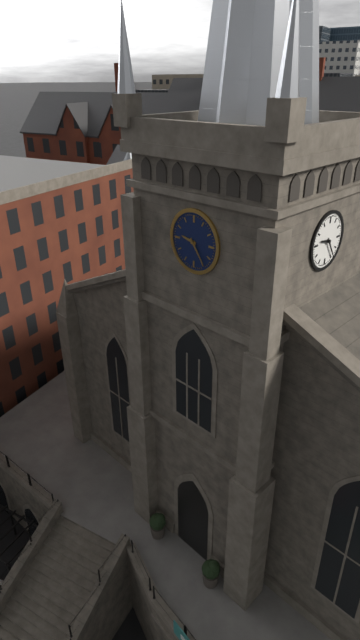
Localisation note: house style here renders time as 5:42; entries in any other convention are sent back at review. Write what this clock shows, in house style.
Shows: 9:24
